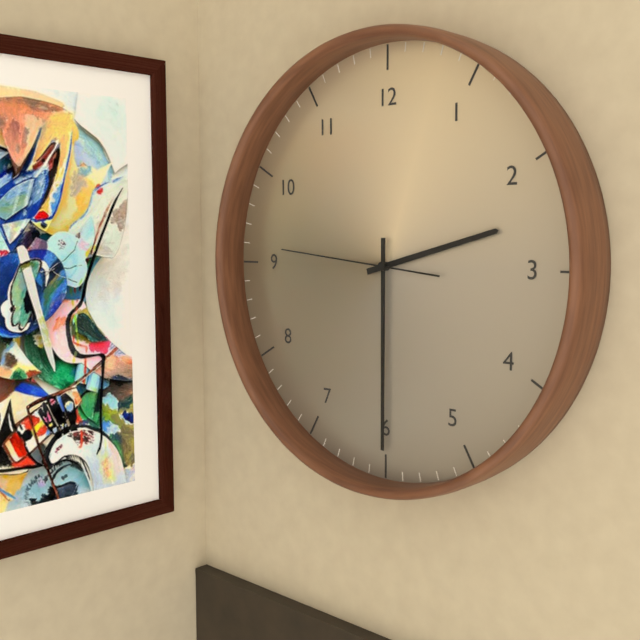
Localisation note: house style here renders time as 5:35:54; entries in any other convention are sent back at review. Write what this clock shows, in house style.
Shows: 2:30:46
